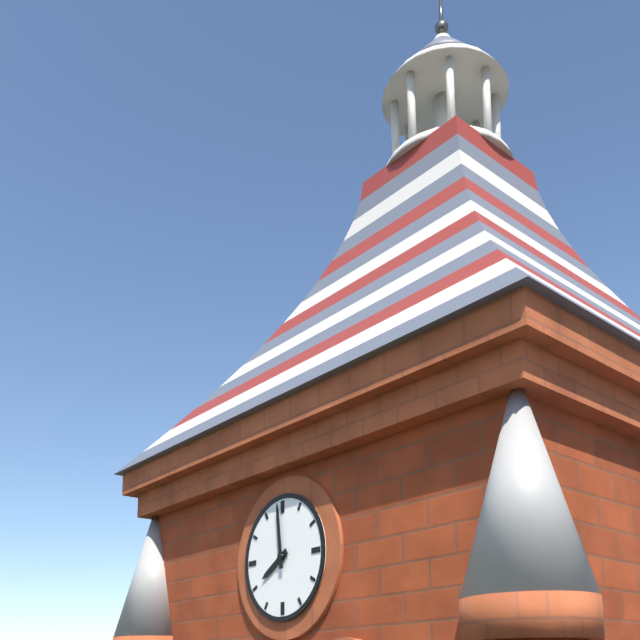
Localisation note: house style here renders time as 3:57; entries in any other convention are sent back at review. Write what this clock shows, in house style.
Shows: 7:59
